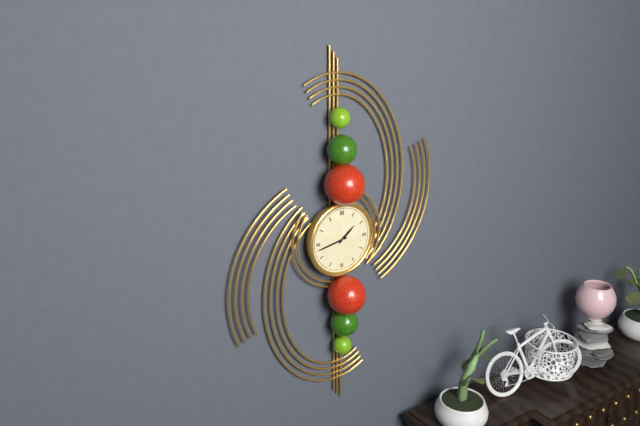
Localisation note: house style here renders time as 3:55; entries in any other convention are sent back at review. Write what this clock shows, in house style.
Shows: 1:43
